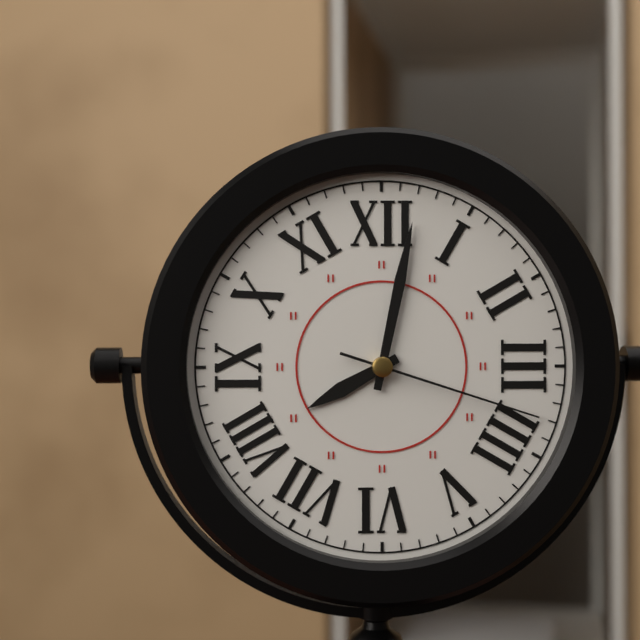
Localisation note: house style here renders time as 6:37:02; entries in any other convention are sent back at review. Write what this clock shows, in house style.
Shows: 8:02:18
